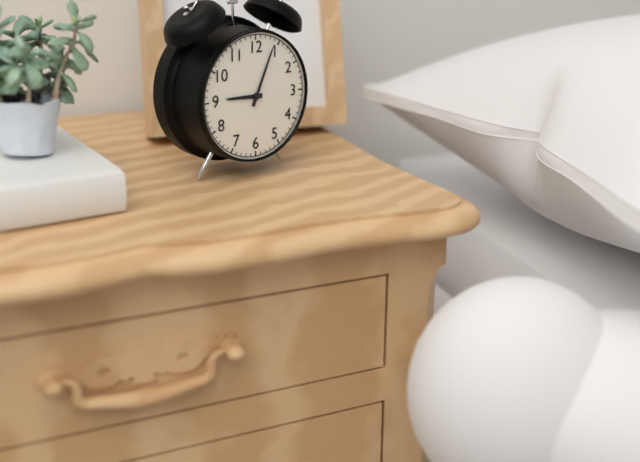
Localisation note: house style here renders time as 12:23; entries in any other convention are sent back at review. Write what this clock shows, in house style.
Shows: 9:04
